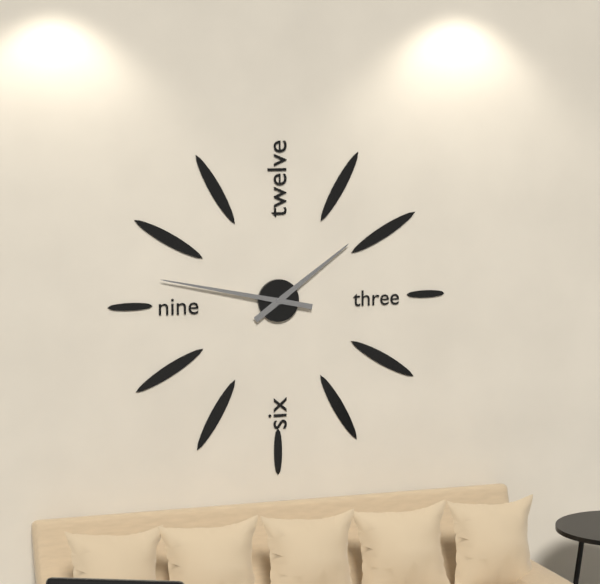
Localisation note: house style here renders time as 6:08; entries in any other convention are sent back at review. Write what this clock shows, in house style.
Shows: 1:47
